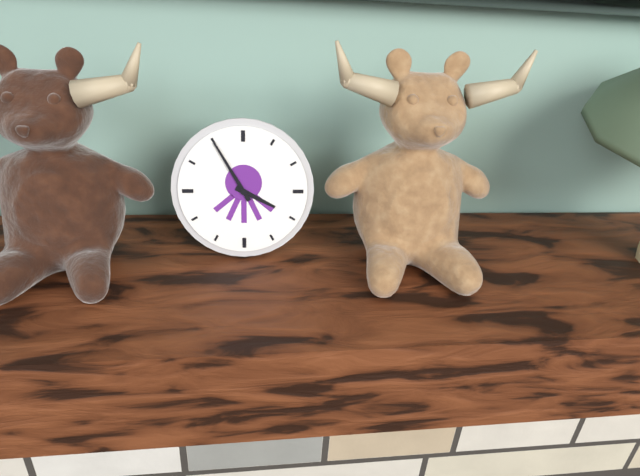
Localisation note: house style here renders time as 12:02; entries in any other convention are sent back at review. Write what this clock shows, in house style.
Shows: 3:55
